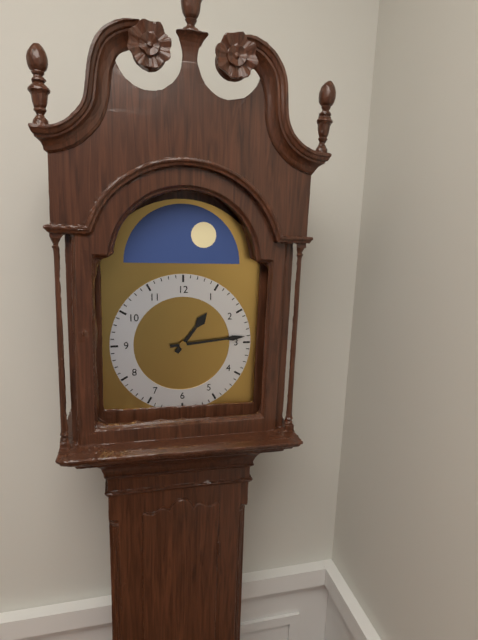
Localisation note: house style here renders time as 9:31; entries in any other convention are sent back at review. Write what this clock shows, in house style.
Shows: 1:14
